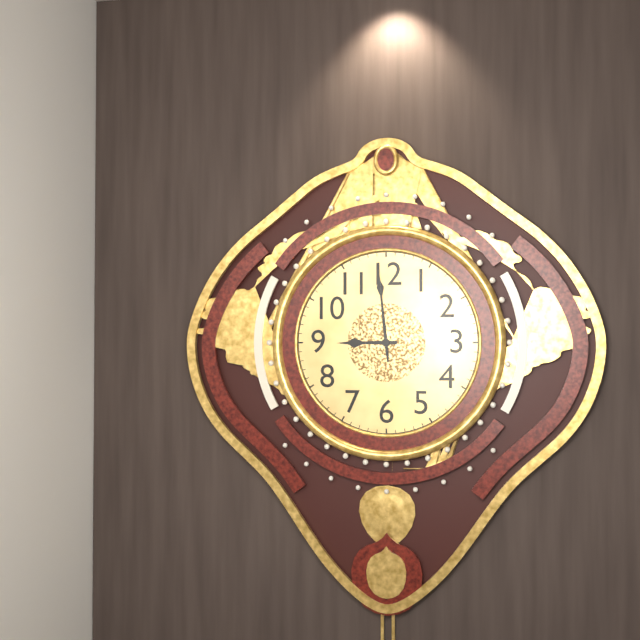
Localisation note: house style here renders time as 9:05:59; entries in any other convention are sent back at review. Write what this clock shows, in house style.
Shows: 8:59:59
